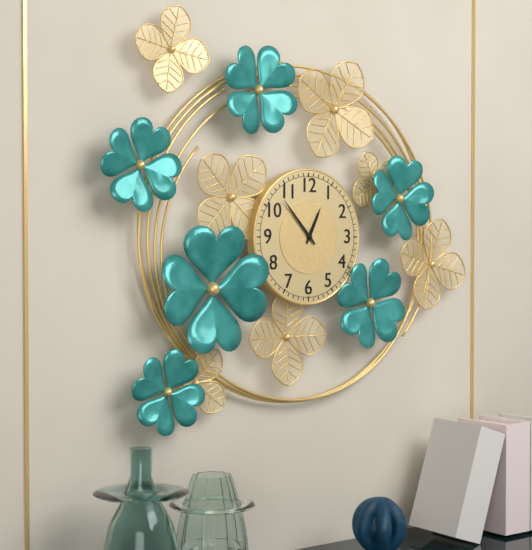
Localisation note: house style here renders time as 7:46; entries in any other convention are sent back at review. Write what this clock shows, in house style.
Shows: 12:53
